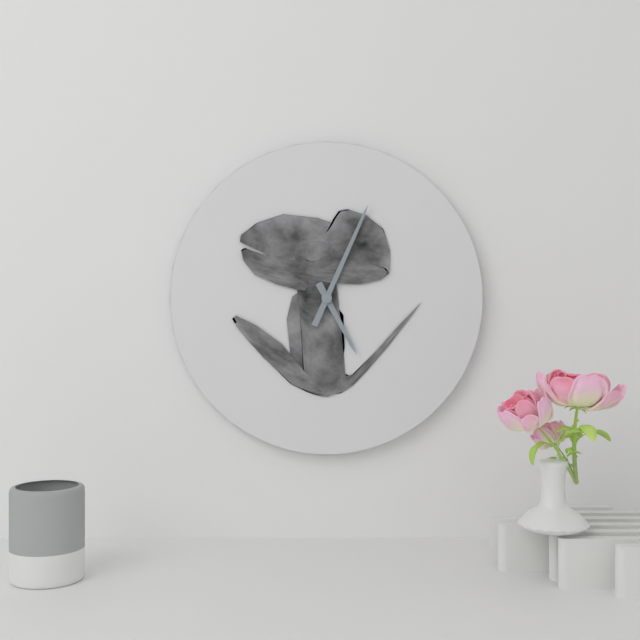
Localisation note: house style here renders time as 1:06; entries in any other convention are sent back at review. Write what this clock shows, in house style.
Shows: 5:04
